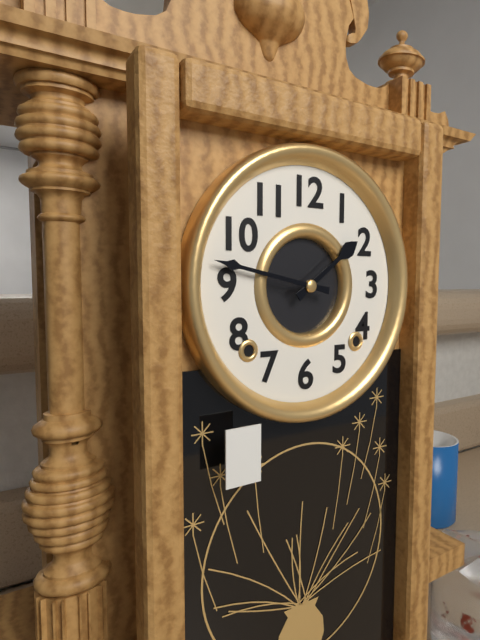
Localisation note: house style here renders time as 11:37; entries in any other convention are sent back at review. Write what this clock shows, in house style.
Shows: 1:47
